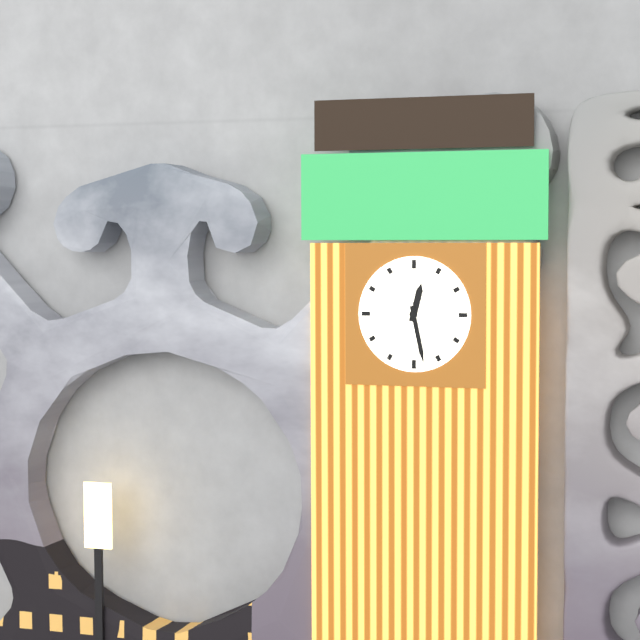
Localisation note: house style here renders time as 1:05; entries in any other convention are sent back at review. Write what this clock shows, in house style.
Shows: 12:28
